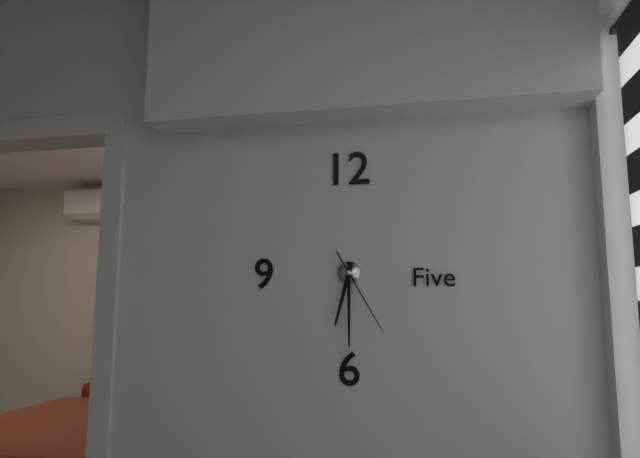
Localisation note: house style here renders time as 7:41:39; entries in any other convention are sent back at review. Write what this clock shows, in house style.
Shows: 6:30:25
